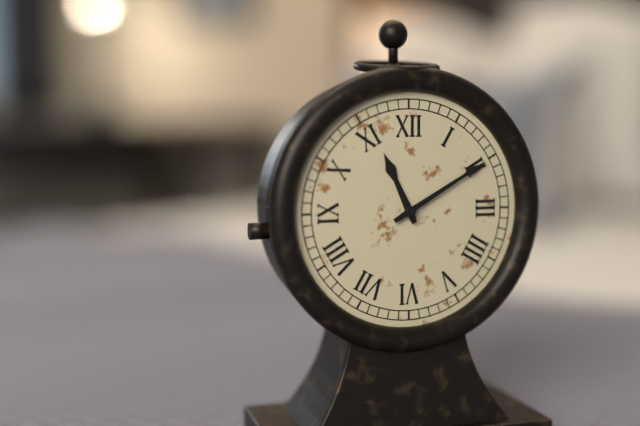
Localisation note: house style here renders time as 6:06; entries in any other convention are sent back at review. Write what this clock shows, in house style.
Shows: 11:10
